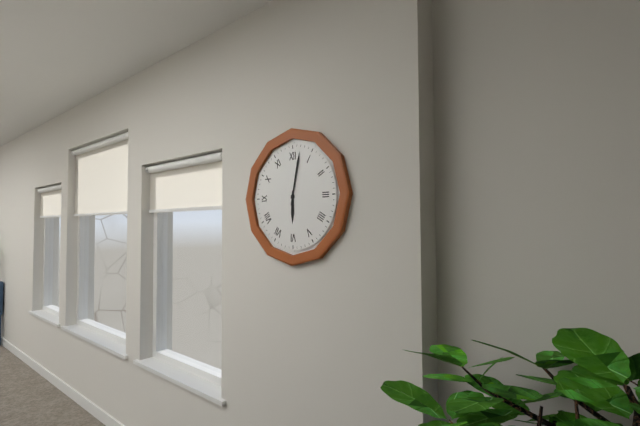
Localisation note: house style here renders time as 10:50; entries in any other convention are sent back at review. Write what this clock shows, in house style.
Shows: 6:02
